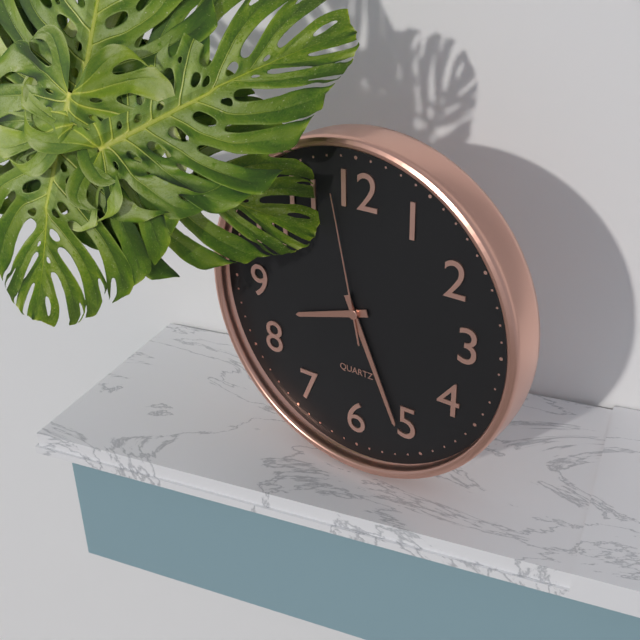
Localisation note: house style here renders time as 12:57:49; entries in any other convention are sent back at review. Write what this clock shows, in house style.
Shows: 8:26:58
